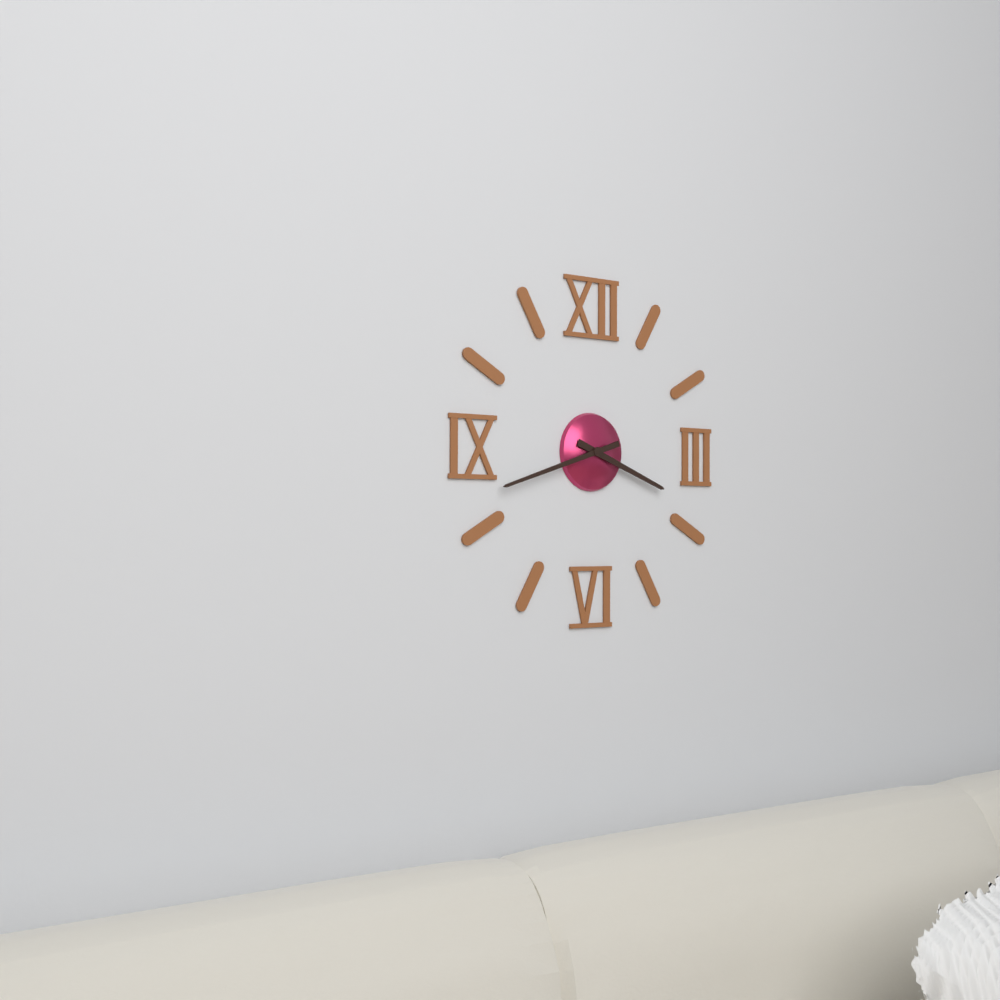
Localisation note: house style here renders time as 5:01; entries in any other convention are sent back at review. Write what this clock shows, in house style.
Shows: 3:42
